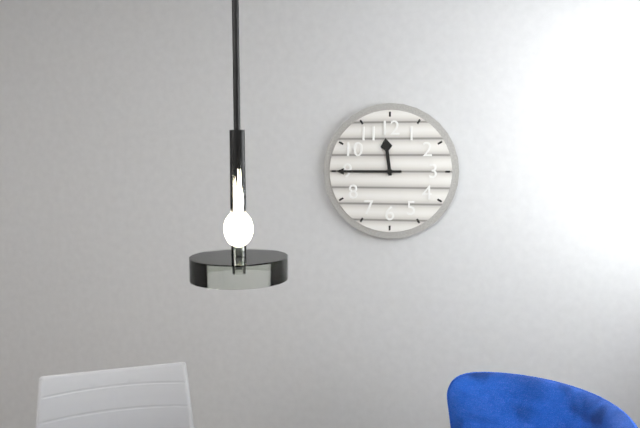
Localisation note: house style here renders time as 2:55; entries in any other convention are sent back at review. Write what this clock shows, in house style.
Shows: 11:45
